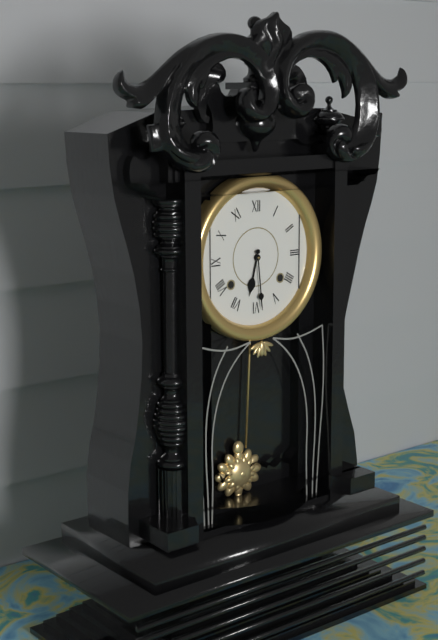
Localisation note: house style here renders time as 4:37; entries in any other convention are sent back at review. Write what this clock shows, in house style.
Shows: 6:29
